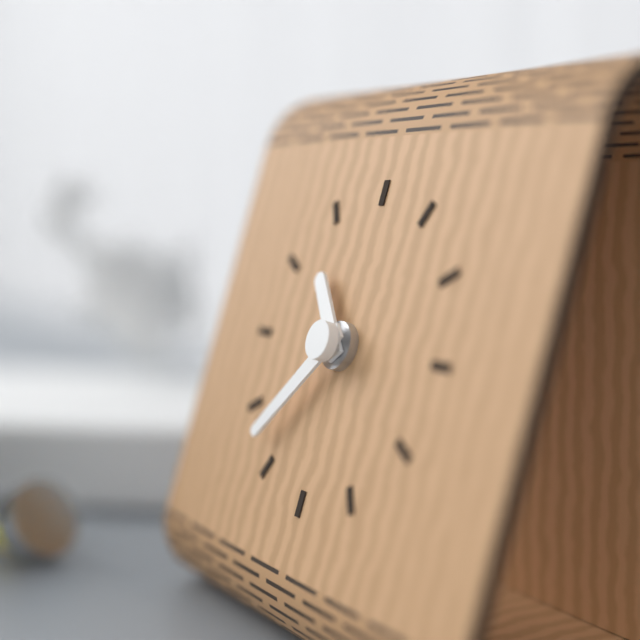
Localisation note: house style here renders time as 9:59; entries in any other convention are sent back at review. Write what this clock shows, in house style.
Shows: 10:37
